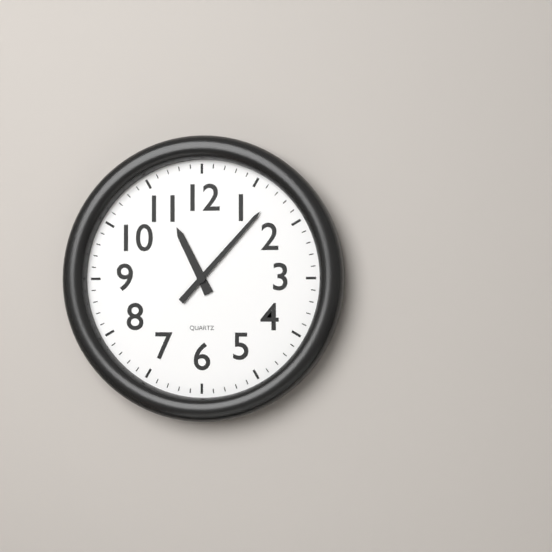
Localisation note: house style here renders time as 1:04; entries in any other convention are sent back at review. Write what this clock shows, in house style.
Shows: 11:07
